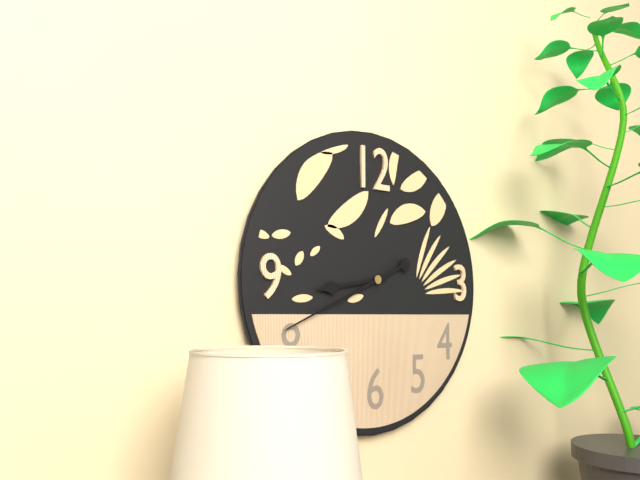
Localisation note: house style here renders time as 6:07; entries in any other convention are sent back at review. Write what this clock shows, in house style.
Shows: 8:41
